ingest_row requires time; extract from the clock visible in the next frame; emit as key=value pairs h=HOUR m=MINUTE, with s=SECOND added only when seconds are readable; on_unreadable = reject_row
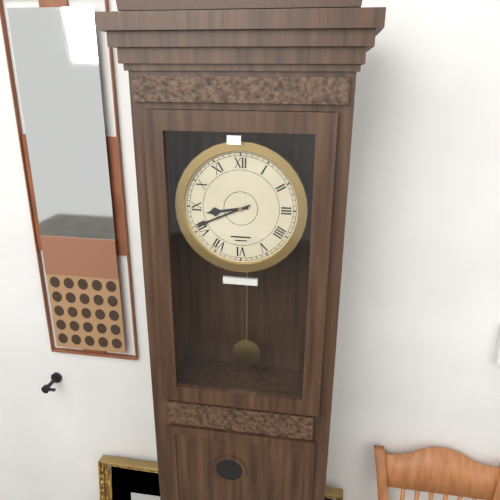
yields h=8 m=41
